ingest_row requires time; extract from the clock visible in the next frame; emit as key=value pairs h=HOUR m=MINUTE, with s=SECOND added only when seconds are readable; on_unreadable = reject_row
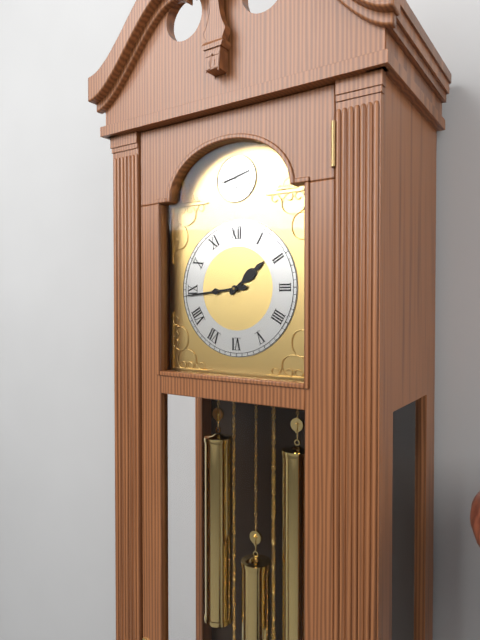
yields h=1 m=44
